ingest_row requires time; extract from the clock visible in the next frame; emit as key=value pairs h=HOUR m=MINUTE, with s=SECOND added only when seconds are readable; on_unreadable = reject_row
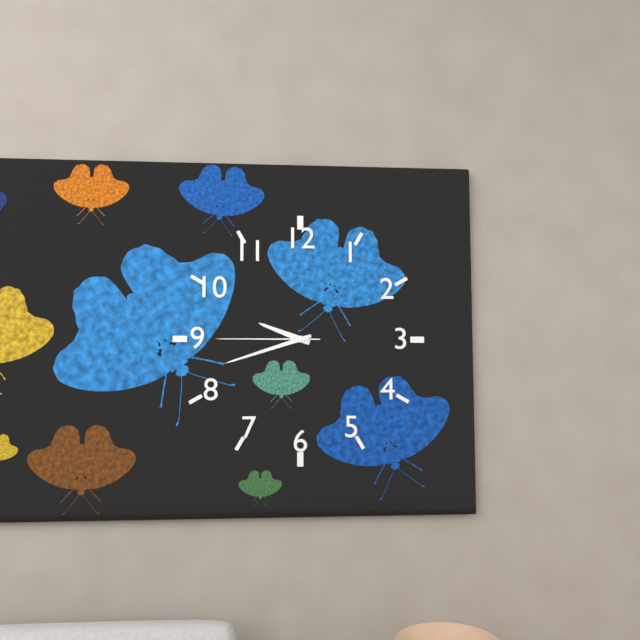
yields h=9 m=42 s=45
